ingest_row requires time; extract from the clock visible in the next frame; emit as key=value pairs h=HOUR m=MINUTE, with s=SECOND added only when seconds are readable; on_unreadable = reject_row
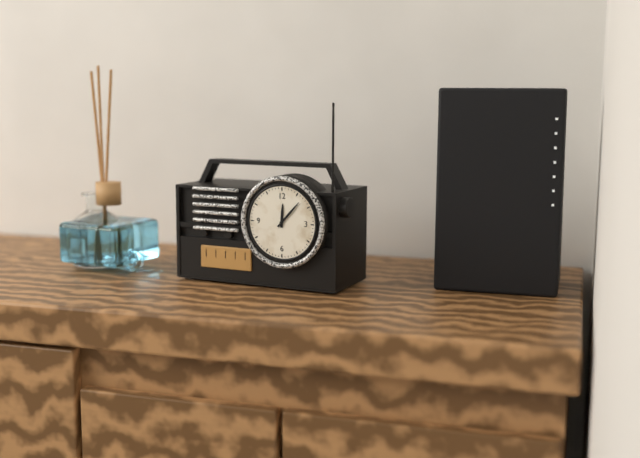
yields h=12 m=7
